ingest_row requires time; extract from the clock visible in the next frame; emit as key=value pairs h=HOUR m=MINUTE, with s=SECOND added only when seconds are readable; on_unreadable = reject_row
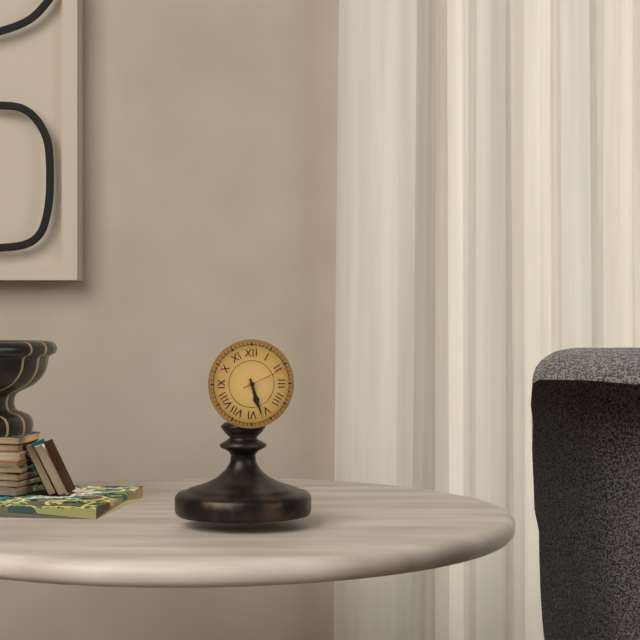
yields h=5 m=27
